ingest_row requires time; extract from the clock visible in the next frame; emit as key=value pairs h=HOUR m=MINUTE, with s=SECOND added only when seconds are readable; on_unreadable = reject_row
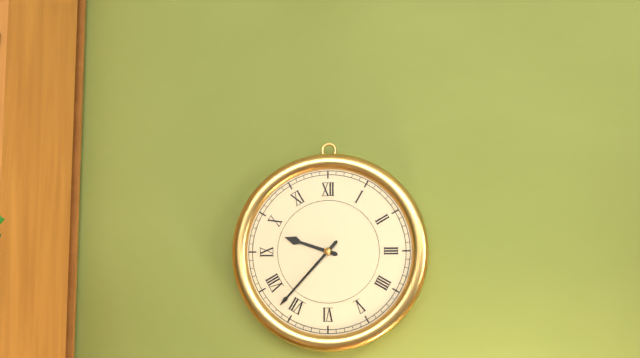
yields h=9 m=37
